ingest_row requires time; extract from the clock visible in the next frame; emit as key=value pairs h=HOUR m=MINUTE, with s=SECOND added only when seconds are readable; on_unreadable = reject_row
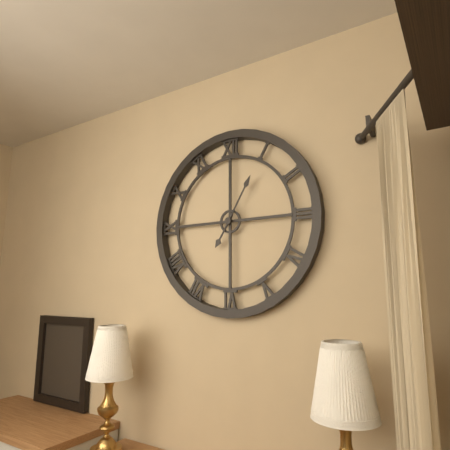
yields h=7 m=5
